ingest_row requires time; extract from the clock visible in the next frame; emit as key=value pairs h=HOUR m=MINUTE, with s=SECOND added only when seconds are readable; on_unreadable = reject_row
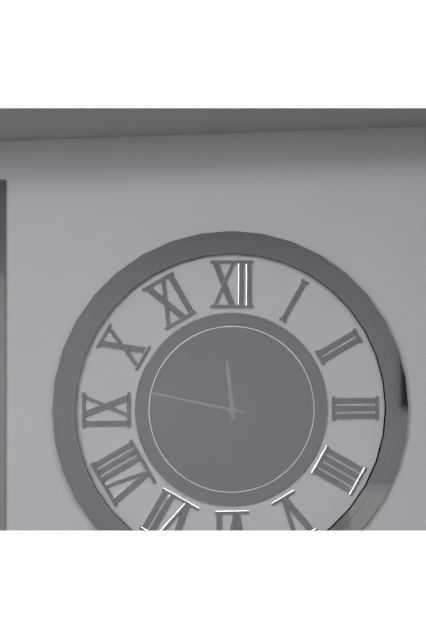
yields h=11 m=47
